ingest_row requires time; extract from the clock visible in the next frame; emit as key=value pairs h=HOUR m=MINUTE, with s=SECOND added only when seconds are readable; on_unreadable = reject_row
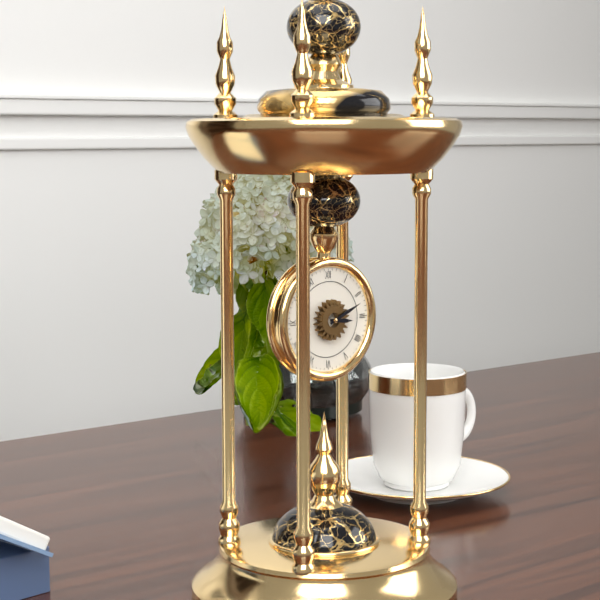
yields h=3 m=11
